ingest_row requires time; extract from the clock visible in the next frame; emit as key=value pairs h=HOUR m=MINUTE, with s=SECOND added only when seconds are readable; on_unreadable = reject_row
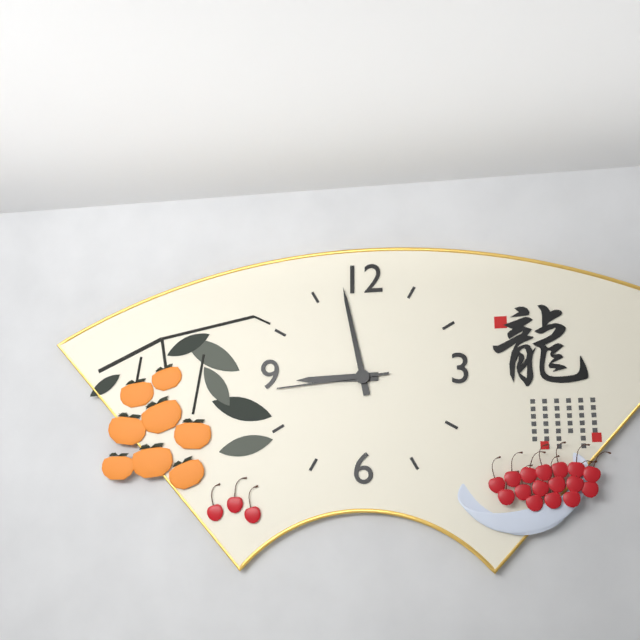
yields h=8 m=58 s=44
